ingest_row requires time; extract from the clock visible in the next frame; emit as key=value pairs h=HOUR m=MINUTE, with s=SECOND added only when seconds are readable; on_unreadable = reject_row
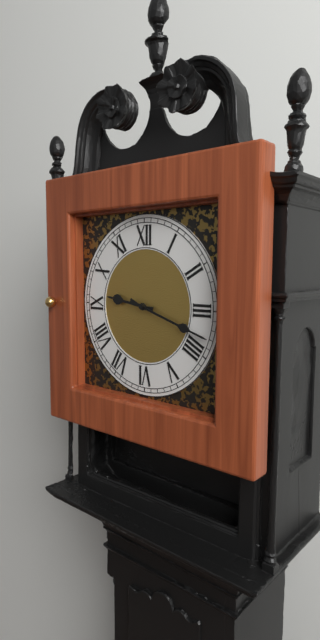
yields h=9 m=18
